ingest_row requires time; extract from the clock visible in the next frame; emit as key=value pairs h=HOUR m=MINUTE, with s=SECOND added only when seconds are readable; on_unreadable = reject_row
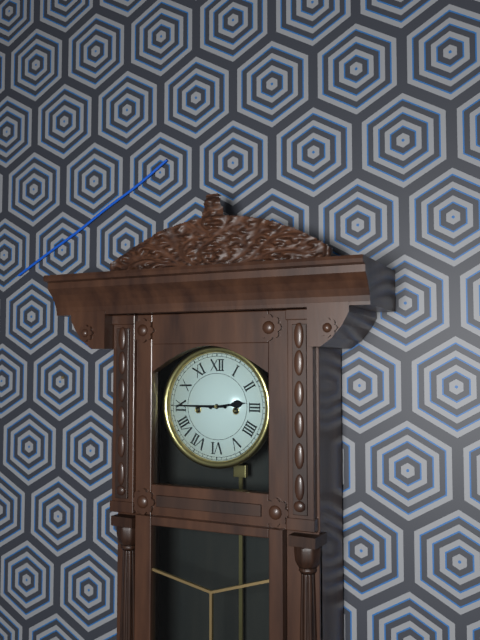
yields h=2 m=45
